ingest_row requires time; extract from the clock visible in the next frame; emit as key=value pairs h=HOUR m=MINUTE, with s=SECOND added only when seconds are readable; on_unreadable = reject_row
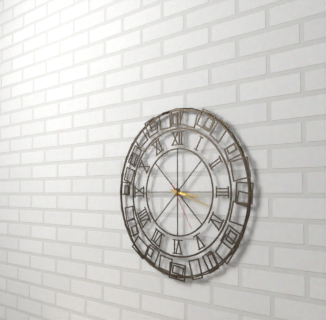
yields h=3 m=18 s=25
